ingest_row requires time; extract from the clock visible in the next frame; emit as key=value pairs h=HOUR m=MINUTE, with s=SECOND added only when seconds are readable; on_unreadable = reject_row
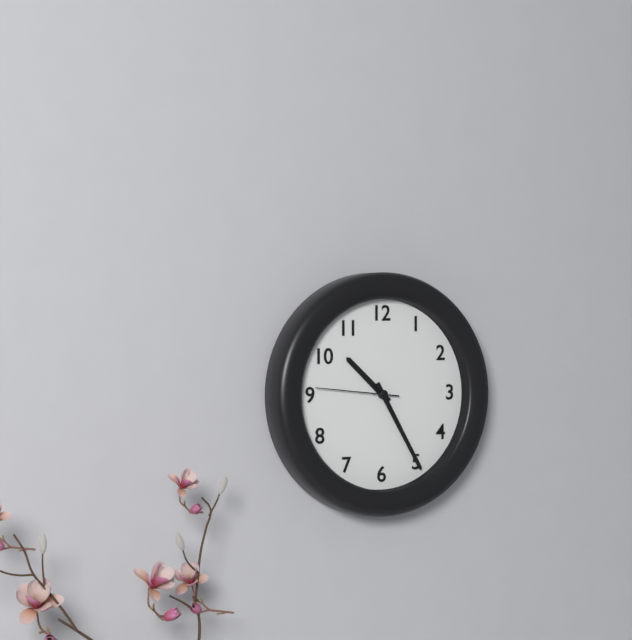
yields h=10 m=25 s=46
